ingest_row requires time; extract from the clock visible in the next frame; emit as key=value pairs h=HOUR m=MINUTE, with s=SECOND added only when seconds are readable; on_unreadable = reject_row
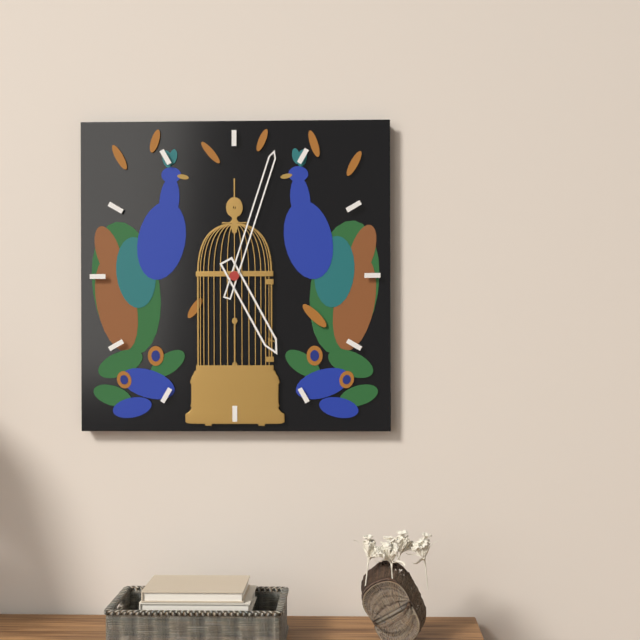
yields h=5 m=3
